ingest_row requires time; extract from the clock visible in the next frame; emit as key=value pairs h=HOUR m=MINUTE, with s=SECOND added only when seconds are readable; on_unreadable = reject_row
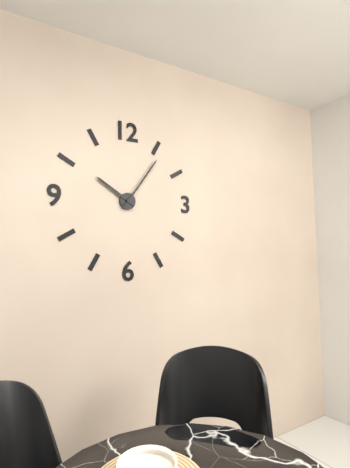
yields h=10 m=6
